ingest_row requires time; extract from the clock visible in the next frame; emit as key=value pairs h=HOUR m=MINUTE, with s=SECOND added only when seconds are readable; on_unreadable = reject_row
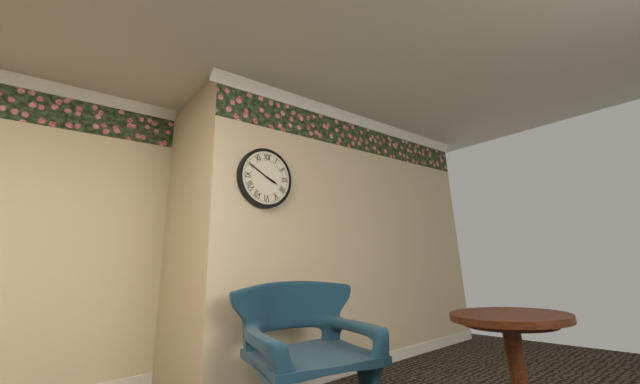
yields h=3 m=50
